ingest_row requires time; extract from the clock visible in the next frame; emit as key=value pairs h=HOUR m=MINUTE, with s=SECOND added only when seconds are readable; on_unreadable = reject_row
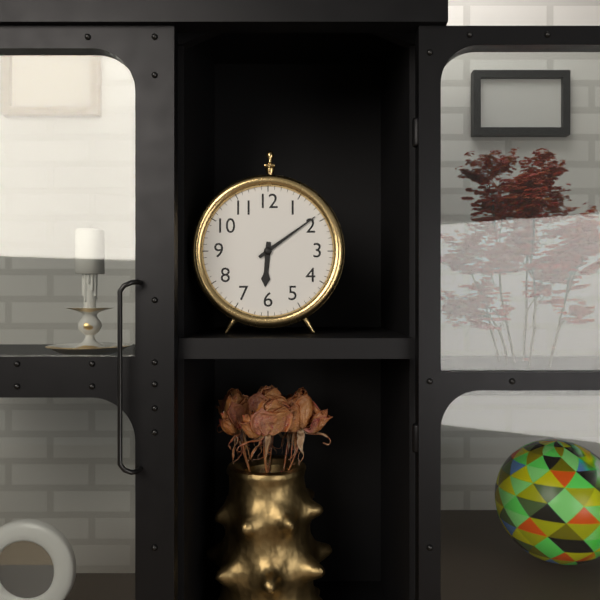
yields h=6 m=9
